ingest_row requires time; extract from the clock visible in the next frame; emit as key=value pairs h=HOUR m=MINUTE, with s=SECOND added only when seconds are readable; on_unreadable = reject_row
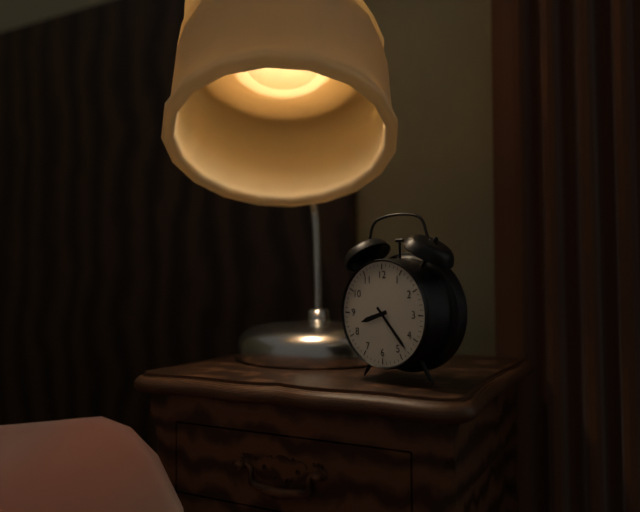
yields h=8 m=23
